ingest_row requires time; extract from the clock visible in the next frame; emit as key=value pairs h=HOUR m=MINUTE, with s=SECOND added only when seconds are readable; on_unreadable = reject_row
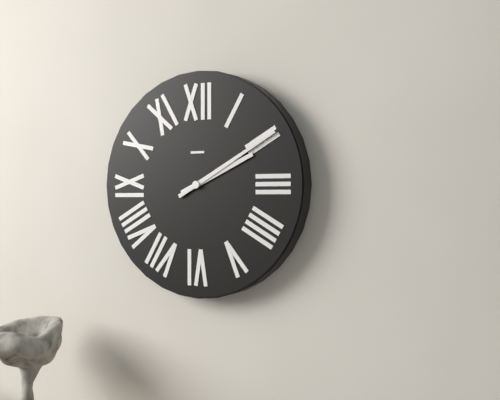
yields h=2 m=10
